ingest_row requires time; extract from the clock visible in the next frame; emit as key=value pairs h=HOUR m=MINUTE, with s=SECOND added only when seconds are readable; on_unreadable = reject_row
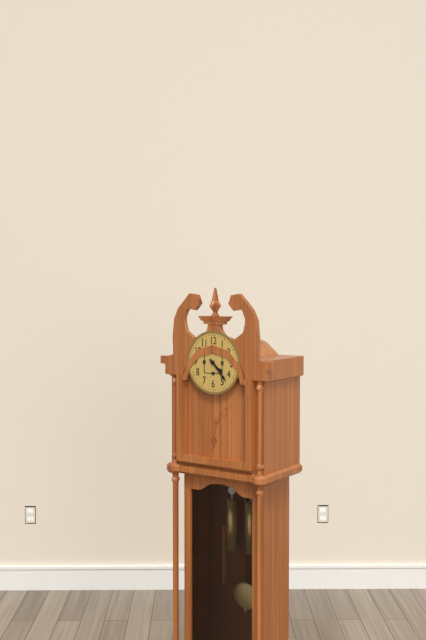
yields h=4 m=23
